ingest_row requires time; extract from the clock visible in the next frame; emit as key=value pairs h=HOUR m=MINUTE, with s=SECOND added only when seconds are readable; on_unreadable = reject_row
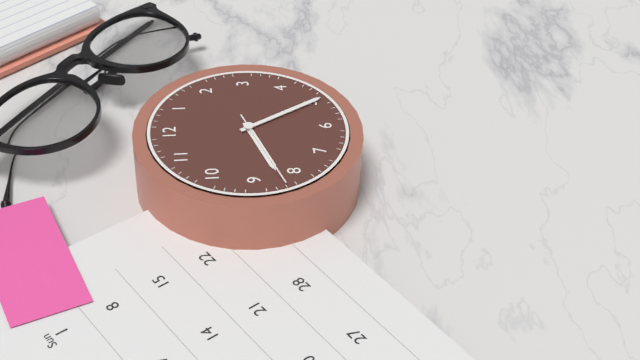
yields h=8 m=25 s=42
